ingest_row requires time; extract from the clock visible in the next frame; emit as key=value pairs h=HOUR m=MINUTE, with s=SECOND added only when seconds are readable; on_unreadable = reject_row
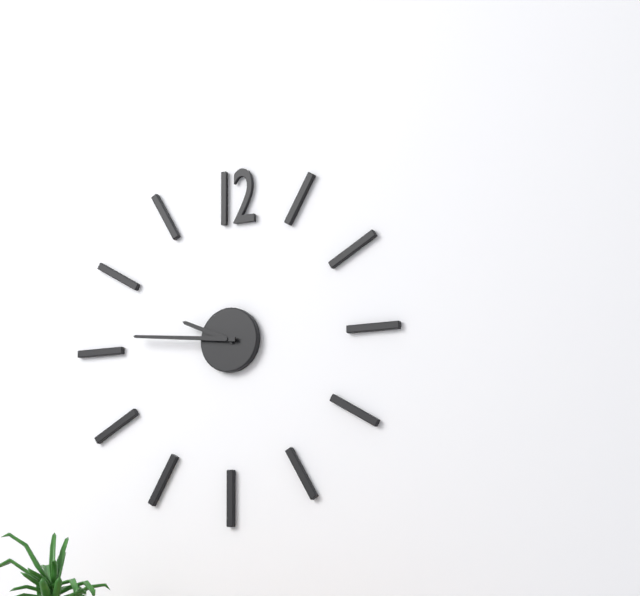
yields h=9 m=46
